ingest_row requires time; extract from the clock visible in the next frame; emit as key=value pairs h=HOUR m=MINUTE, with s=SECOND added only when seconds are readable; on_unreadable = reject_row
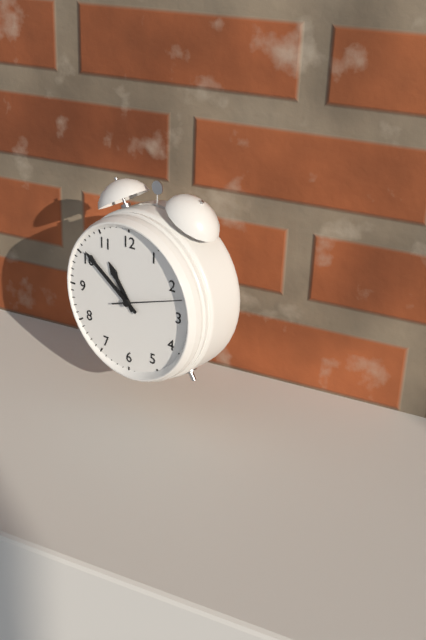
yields h=10 m=51 s=12
